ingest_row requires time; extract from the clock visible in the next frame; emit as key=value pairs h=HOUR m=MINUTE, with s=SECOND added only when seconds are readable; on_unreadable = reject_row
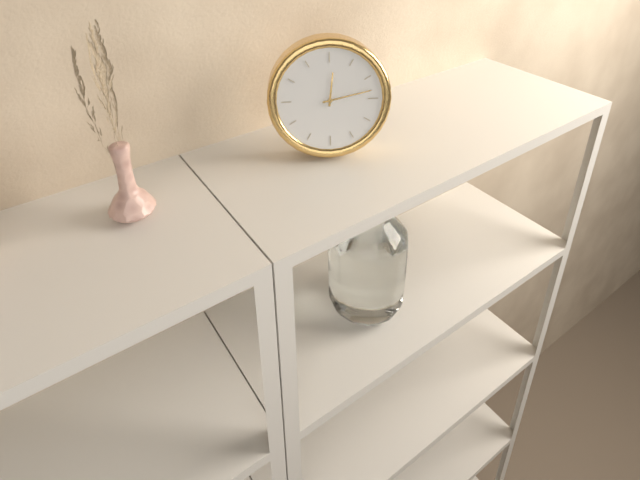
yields h=12 m=13
